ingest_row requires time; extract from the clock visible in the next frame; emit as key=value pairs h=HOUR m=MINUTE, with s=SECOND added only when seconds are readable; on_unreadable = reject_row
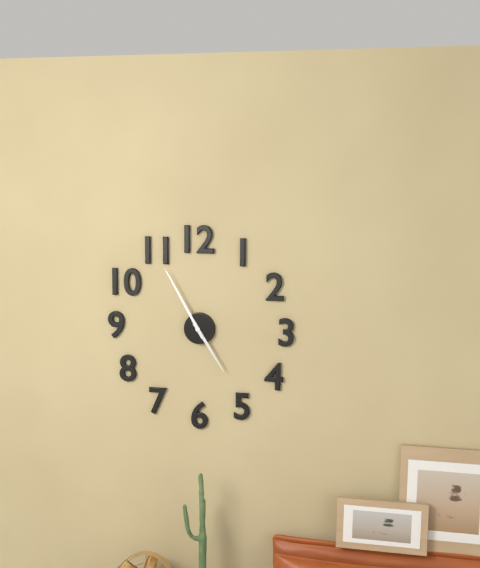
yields h=4 m=55
